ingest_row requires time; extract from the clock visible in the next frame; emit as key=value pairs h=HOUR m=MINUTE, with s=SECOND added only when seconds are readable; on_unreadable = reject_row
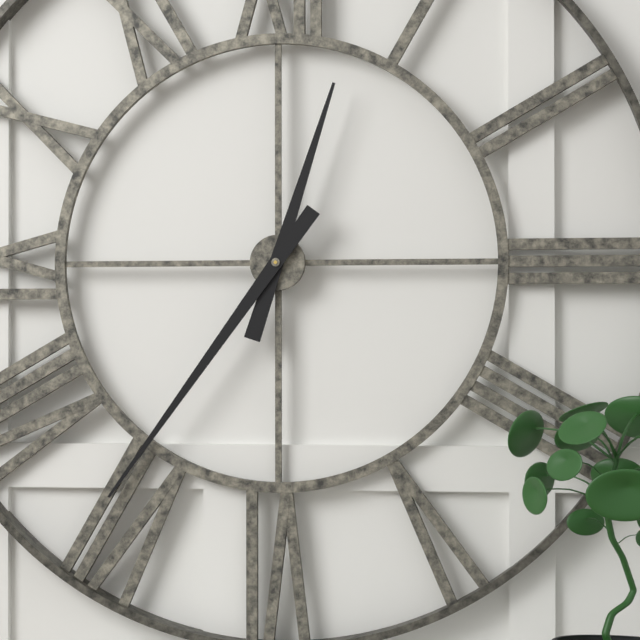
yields h=12 m=36
